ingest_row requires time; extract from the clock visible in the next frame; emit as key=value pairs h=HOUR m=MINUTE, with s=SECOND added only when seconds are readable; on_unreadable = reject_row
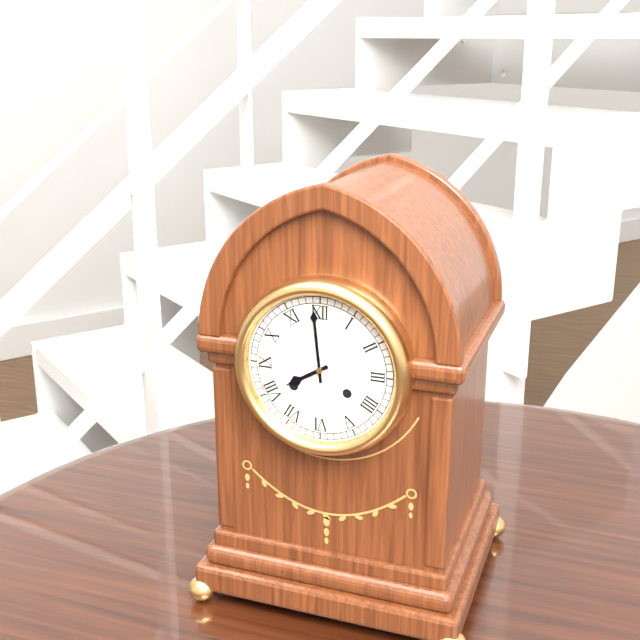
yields h=7 m=59
